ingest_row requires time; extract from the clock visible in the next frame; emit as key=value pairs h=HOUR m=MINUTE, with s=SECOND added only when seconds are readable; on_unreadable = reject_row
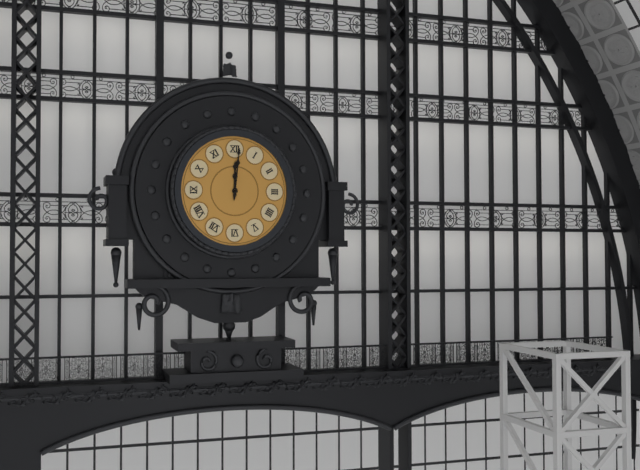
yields h=12 m=1
